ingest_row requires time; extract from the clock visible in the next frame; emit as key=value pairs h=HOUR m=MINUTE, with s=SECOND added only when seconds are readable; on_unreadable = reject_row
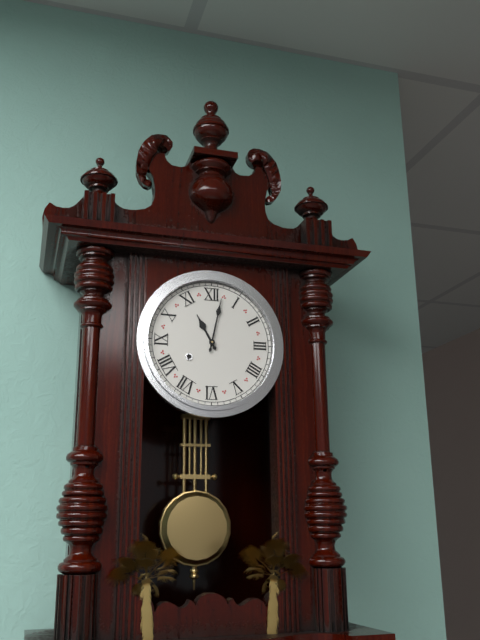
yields h=11 m=2
